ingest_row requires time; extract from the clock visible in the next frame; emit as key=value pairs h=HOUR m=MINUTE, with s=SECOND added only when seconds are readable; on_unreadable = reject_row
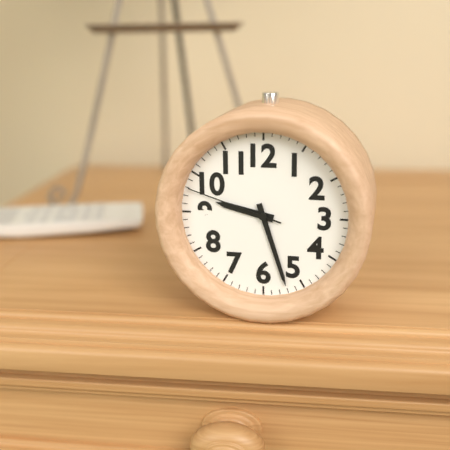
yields h=9 m=27 s=48
